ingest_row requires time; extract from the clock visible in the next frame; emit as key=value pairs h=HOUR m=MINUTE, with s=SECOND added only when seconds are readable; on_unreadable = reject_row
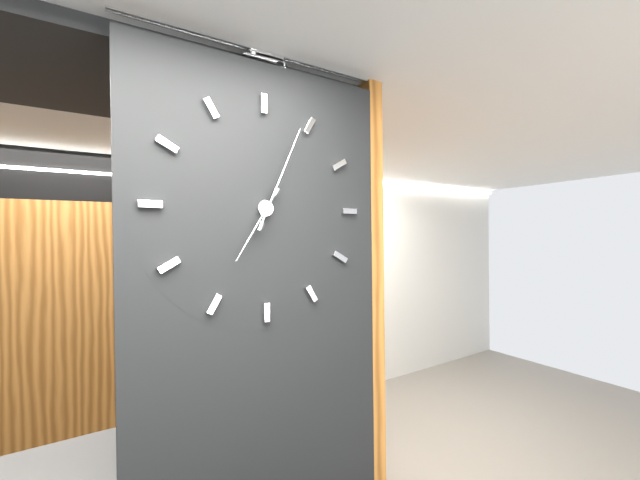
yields h=7 m=4
